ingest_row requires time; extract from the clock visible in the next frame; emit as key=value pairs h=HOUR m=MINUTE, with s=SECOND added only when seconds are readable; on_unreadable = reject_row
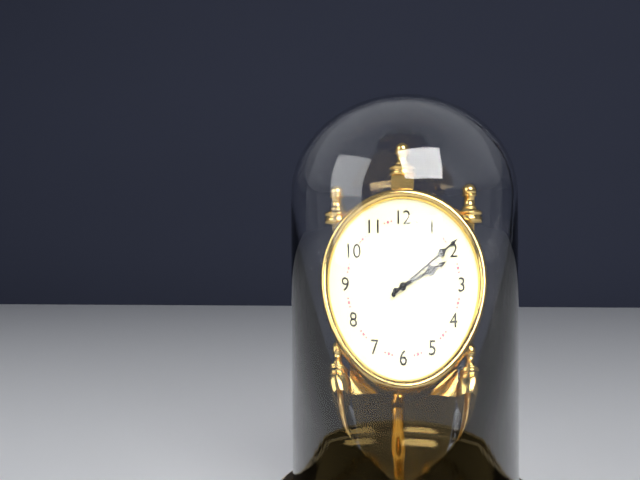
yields h=2 m=9
